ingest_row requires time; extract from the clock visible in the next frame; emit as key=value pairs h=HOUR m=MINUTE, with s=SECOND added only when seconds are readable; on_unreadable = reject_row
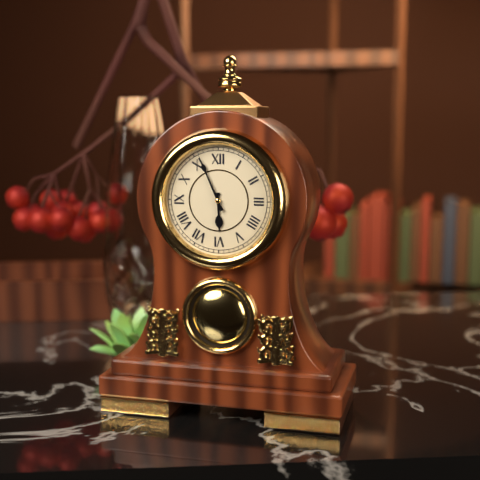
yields h=5 m=56
